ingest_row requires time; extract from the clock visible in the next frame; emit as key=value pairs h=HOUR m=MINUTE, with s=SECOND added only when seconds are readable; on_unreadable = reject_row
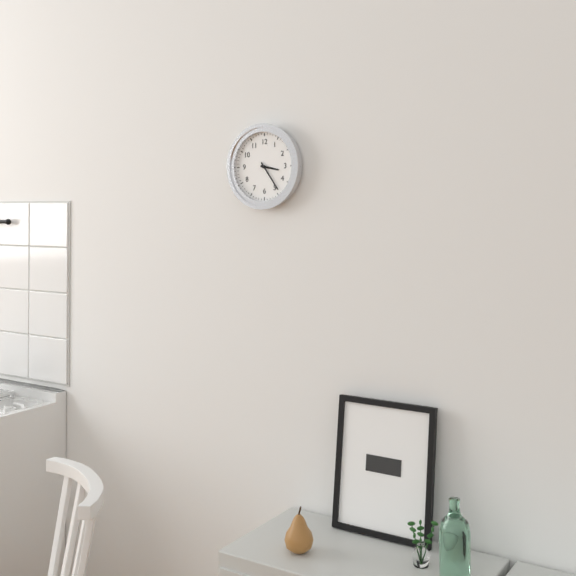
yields h=3 m=24
